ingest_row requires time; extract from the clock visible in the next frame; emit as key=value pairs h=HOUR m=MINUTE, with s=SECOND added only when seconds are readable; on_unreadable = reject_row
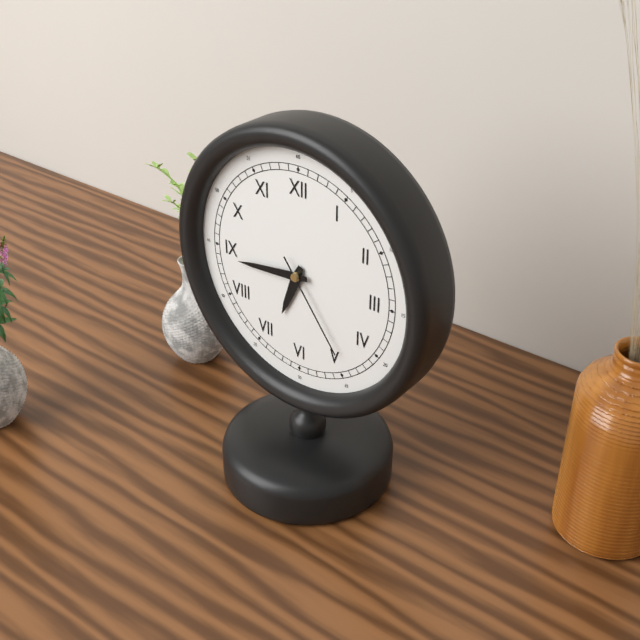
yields h=6 m=44 s=24
